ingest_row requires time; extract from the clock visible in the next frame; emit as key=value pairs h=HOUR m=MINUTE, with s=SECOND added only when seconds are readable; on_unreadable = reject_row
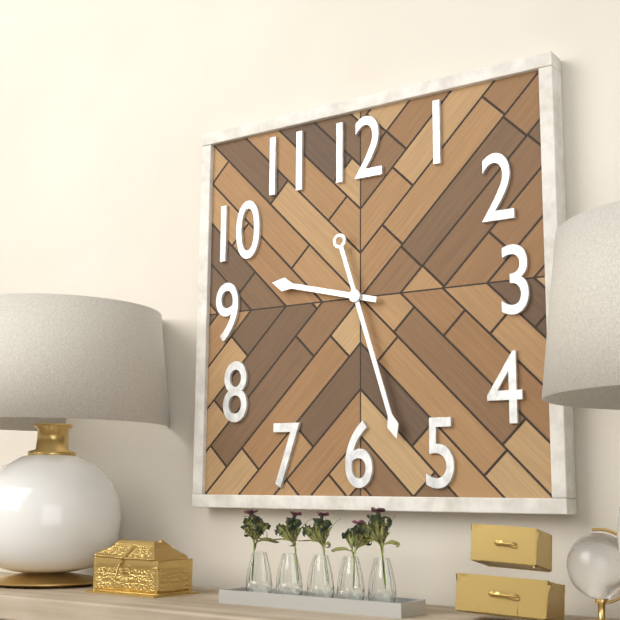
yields h=9 m=27
